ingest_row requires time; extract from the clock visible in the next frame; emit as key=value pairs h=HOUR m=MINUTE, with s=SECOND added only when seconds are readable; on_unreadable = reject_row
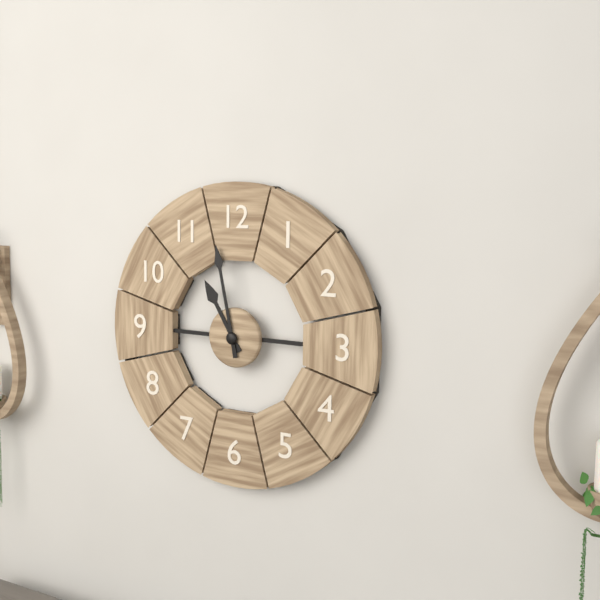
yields h=10 m=58
